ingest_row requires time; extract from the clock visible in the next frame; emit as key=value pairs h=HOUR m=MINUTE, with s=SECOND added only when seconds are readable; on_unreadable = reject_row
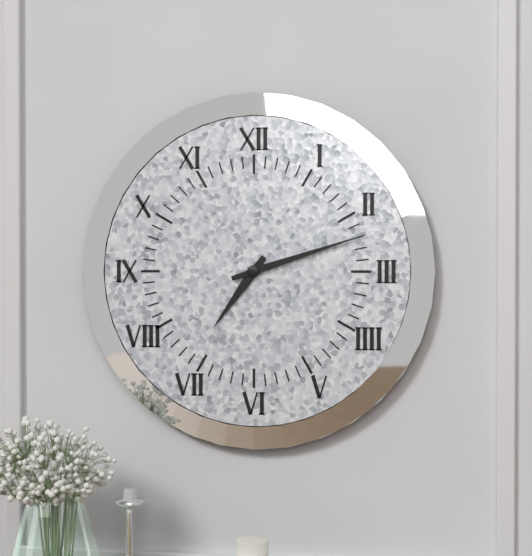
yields h=7 m=12
